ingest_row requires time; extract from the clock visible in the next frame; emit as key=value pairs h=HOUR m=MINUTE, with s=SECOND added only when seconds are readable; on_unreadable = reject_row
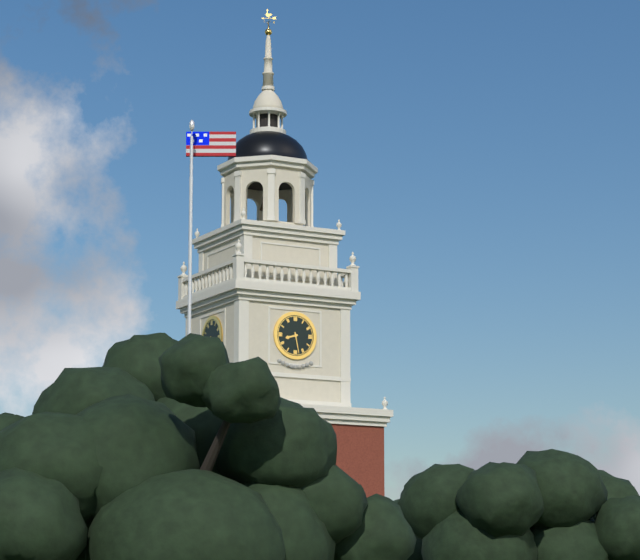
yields h=8 m=28
